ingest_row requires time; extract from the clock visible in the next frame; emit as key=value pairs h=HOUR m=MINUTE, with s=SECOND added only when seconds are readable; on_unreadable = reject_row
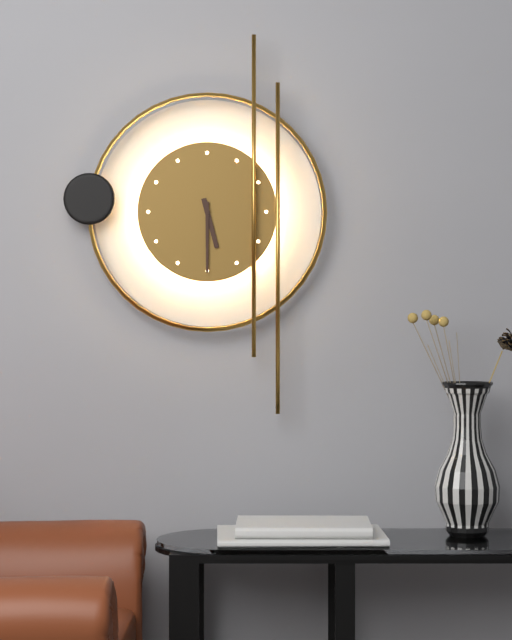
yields h=5 m=30
